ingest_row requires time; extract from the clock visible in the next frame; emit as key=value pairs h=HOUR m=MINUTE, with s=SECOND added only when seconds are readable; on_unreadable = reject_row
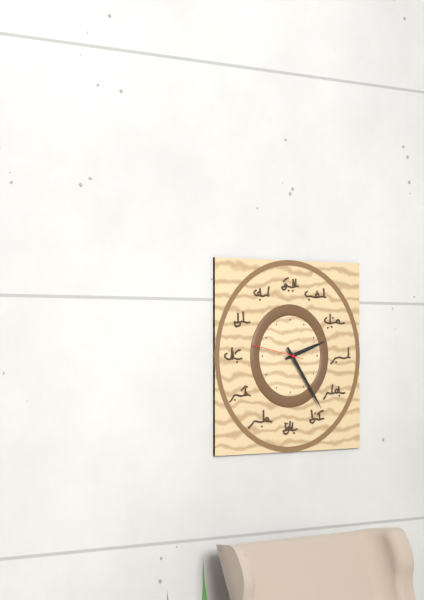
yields h=2 m=24
